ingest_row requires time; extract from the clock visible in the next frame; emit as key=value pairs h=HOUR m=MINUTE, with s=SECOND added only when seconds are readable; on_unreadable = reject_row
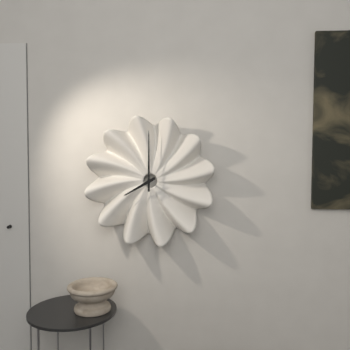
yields h=8 m=0
